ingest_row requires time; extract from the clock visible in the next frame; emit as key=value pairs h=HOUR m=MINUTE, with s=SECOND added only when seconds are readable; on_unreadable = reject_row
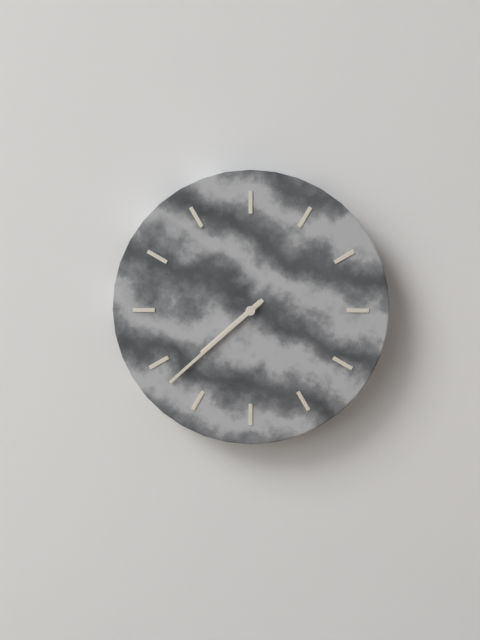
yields h=7 m=38
